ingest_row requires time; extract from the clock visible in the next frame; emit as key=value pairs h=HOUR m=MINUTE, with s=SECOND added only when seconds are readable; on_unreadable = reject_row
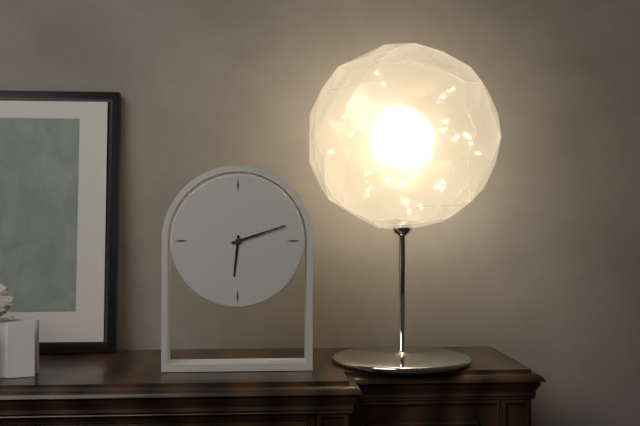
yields h=6 m=12
